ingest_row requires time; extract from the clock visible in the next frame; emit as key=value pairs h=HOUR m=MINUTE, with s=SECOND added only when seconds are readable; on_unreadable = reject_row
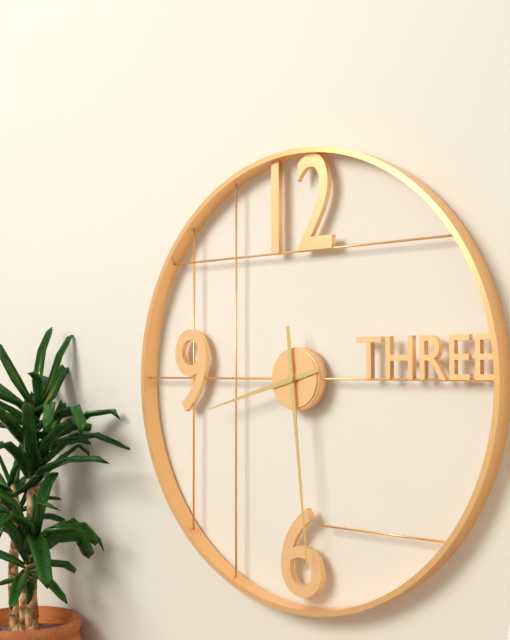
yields h=8 m=29
